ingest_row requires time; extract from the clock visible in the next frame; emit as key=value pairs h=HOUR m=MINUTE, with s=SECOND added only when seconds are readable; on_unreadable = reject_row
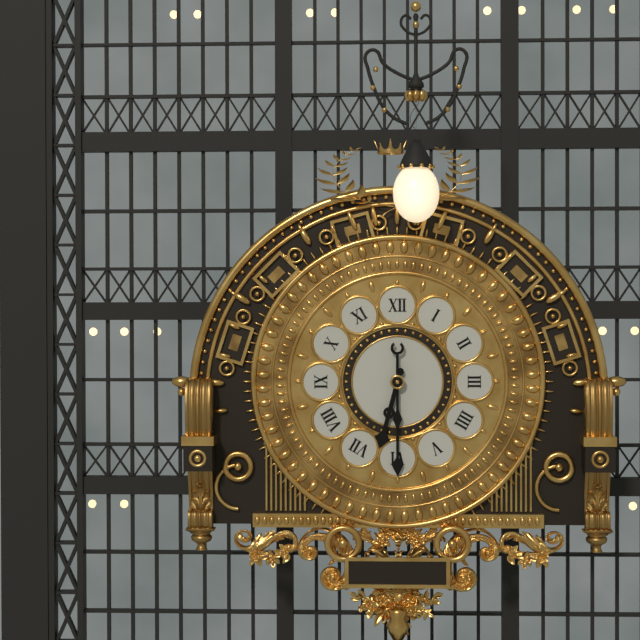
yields h=6 m=30
